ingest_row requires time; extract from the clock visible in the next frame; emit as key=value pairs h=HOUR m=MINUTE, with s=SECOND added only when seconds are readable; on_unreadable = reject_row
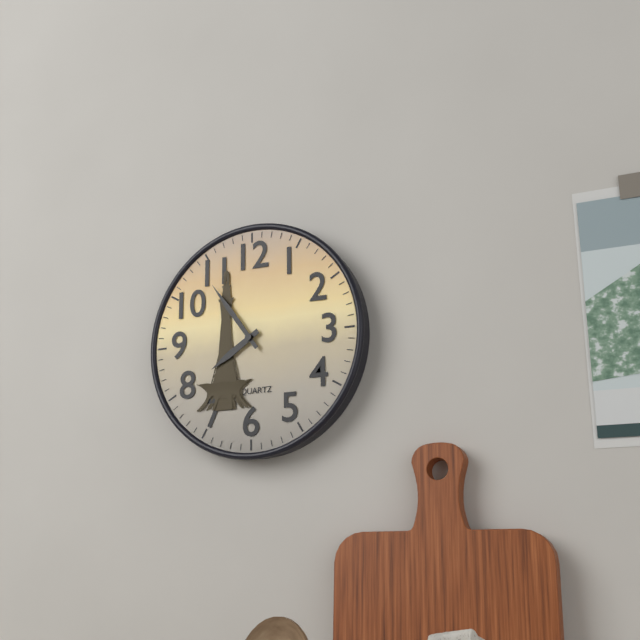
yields h=7 m=54
